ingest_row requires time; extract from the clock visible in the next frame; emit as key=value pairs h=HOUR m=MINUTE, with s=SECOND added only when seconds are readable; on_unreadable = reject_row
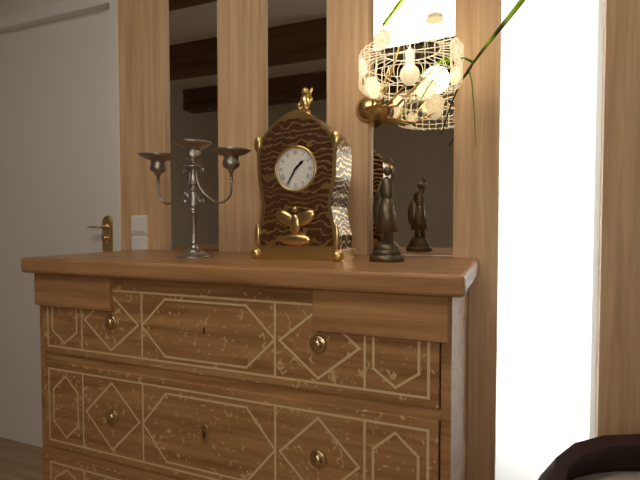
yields h=1 m=35
